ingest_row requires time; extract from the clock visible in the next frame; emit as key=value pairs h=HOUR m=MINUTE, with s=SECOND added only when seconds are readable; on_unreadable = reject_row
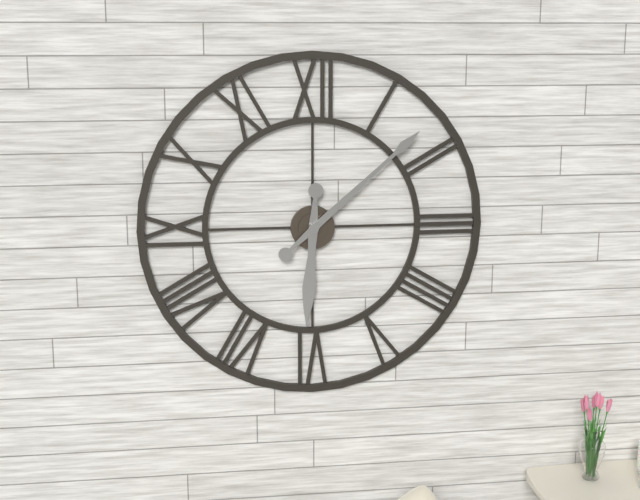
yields h=6 m=8
